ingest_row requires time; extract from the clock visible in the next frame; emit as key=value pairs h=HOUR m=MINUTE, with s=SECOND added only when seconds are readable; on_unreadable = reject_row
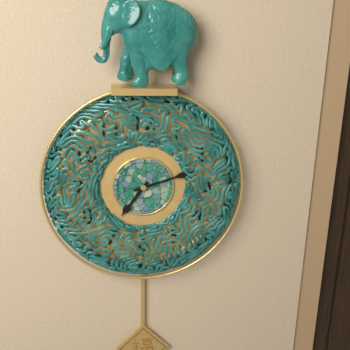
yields h=7 m=12
